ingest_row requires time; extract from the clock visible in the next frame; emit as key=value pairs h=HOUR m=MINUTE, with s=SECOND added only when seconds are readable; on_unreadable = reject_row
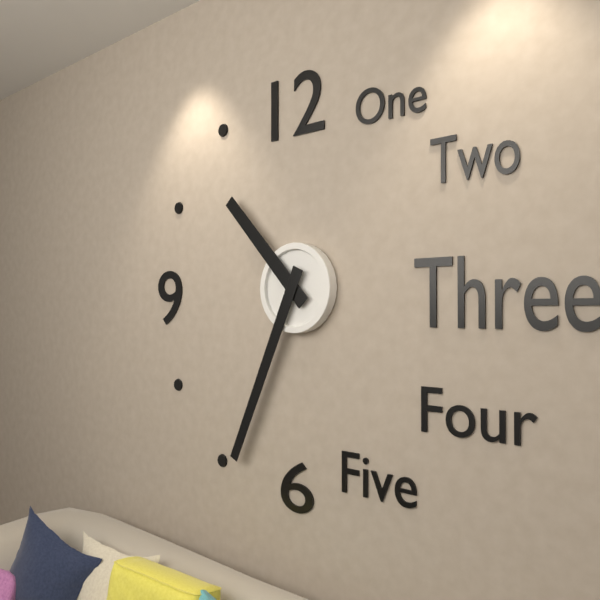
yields h=10 m=34
